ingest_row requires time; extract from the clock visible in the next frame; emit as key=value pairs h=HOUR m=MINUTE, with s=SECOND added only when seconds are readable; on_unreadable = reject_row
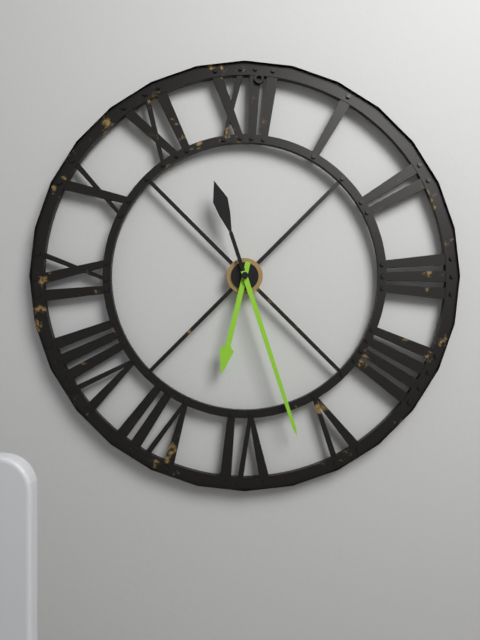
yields h=6 m=27
